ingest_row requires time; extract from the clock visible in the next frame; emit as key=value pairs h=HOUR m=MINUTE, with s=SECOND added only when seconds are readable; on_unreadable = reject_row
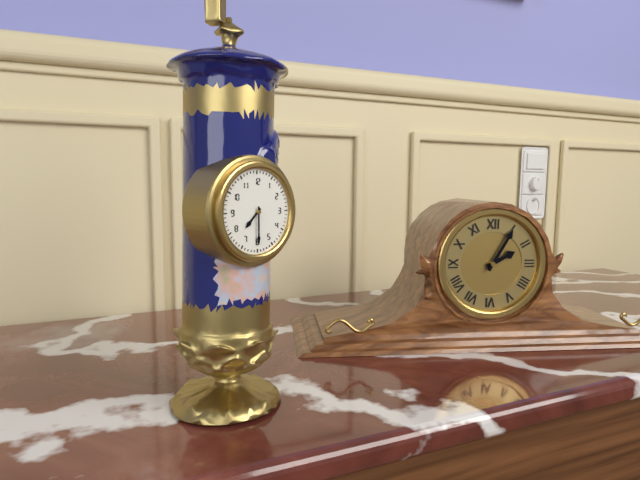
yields h=7 m=30
